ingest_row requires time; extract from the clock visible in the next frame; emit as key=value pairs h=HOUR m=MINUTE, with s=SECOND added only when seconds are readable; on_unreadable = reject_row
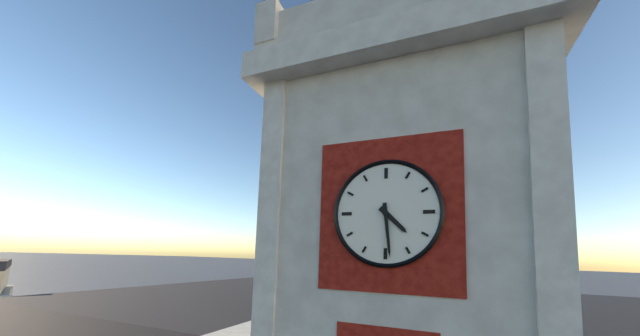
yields h=4 m=29
